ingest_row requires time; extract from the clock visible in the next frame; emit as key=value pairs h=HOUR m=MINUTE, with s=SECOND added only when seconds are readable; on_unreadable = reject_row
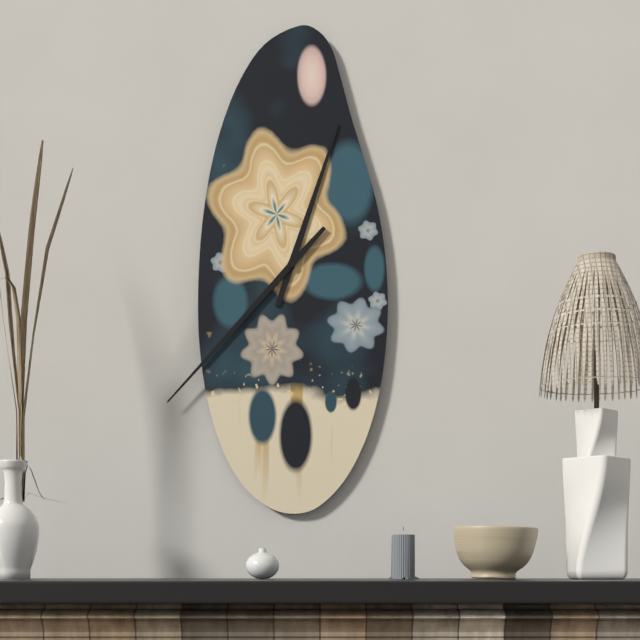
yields h=12 m=37
